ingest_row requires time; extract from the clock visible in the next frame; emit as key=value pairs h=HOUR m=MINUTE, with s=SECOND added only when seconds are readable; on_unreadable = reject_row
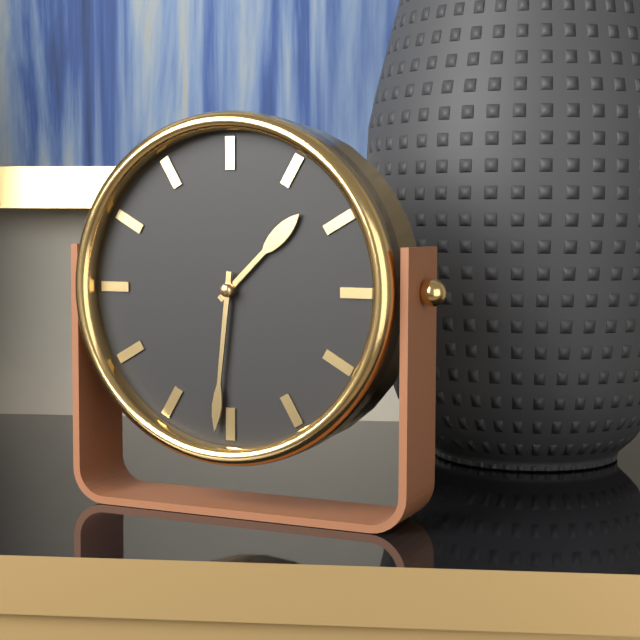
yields h=1 m=31
